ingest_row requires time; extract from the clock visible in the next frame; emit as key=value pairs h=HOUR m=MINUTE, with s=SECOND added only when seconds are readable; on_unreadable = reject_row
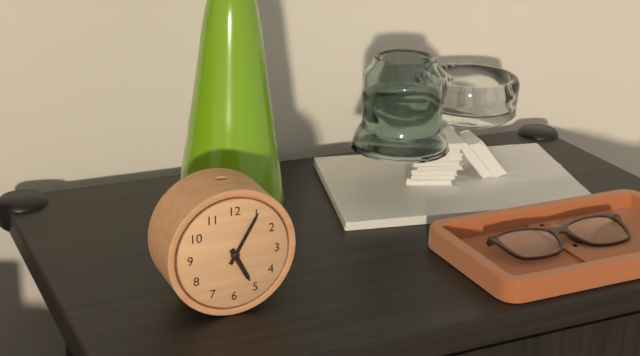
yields h=5 m=5
